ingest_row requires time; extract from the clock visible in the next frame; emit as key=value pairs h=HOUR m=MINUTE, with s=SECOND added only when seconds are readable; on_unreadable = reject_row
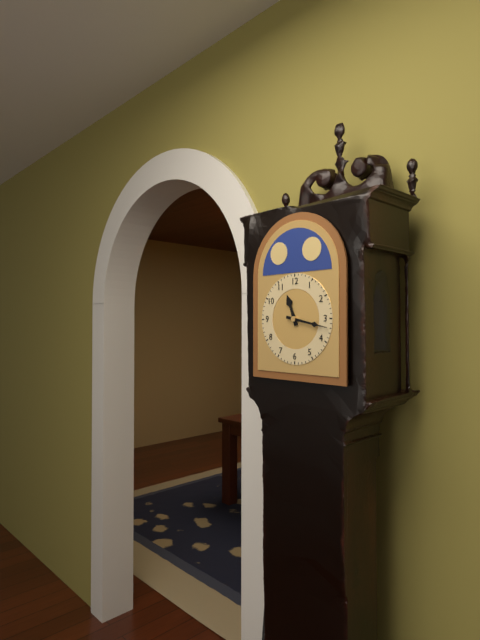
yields h=11 m=17
